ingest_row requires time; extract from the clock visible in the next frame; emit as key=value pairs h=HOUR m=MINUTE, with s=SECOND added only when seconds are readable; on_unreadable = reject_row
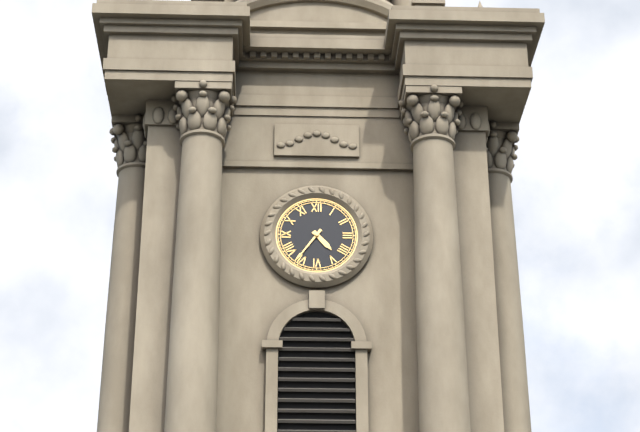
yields h=4 m=36
